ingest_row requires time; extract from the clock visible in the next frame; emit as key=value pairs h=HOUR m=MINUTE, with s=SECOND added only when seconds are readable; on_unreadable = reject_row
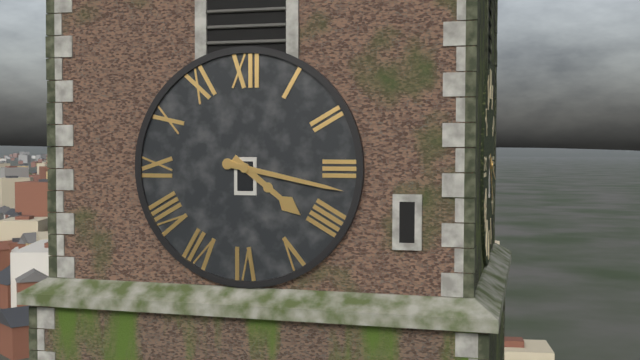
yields h=4 m=17
